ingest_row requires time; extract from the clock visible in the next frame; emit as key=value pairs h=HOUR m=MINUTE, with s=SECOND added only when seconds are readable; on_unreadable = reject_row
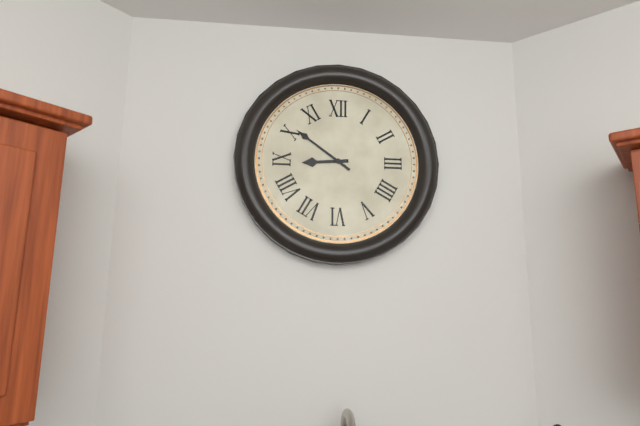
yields h=8 m=51
